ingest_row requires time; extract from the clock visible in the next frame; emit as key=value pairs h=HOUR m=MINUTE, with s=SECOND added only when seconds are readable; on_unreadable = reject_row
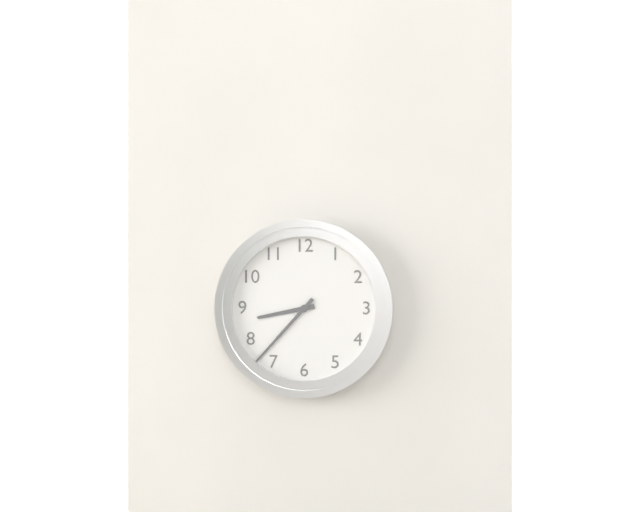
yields h=8 m=37
